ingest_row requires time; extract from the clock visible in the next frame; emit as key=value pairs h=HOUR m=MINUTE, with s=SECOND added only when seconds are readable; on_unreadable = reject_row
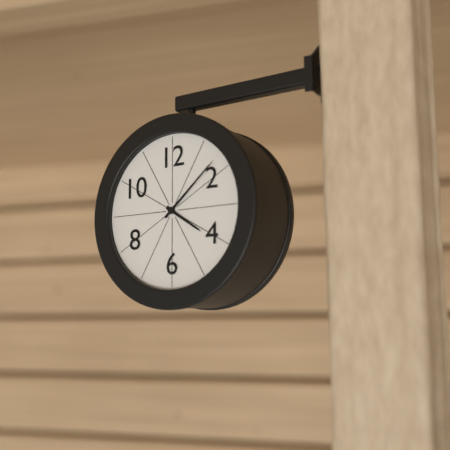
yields h=4 m=8
